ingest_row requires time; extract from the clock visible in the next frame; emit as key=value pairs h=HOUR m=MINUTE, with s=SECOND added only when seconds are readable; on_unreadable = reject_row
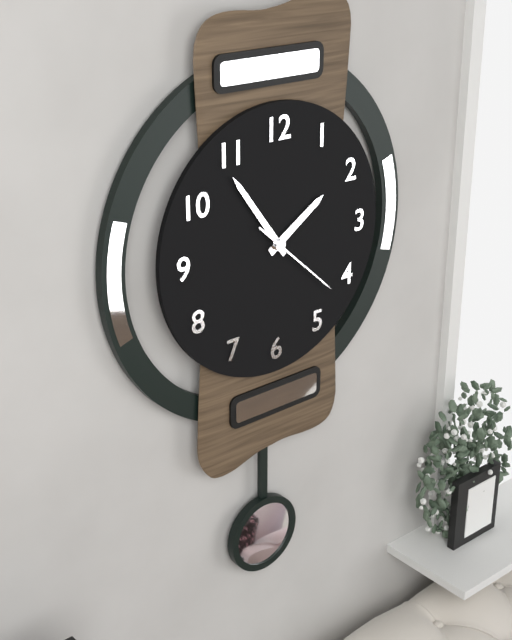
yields h=1 m=54 s=22
